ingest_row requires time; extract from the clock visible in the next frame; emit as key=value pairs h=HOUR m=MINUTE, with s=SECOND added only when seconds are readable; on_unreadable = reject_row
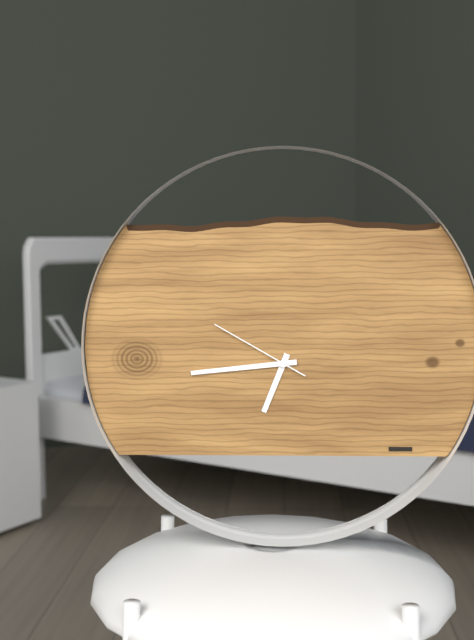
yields h=6 m=44 s=50
